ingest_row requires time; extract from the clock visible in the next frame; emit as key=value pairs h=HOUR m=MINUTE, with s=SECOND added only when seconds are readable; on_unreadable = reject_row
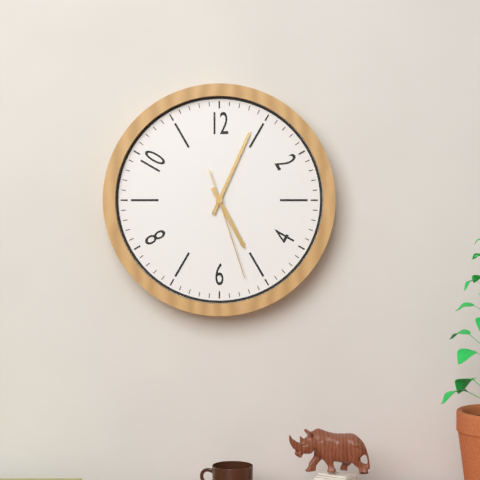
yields h=5 m=4 s=27
